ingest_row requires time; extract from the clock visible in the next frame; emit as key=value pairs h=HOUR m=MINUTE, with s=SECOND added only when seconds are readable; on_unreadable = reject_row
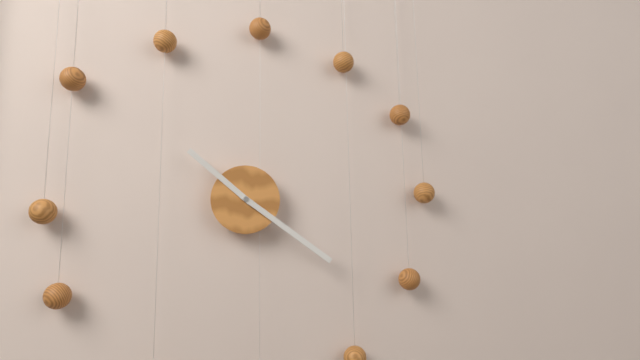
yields h=10 m=21
